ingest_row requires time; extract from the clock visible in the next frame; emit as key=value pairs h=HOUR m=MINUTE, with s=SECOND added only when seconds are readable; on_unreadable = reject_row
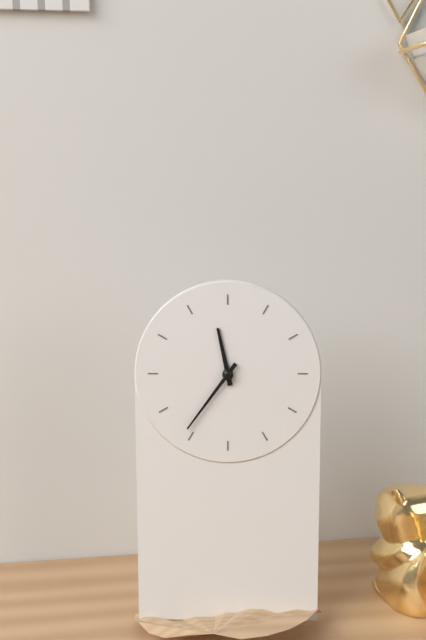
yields h=11 m=36
